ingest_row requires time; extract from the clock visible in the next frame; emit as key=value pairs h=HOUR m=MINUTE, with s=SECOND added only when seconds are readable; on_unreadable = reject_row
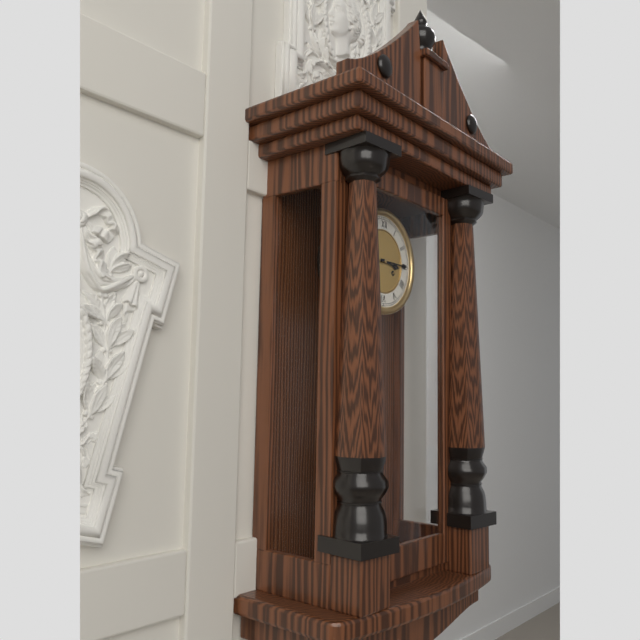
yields h=3 m=15
